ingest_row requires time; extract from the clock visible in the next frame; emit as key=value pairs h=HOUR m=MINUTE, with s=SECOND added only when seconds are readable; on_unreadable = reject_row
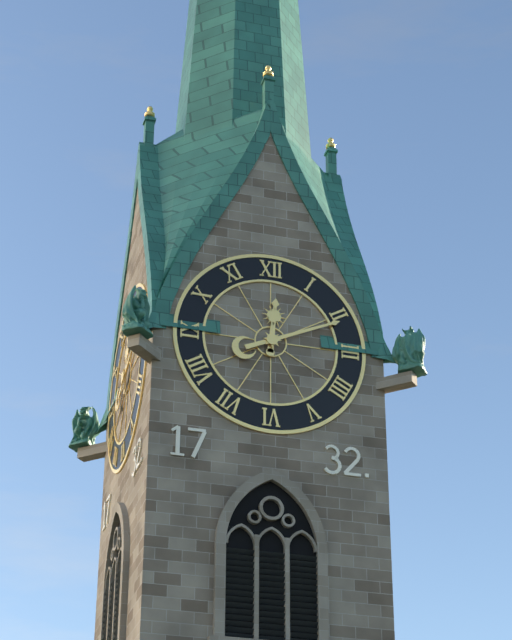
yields h=12 m=11
